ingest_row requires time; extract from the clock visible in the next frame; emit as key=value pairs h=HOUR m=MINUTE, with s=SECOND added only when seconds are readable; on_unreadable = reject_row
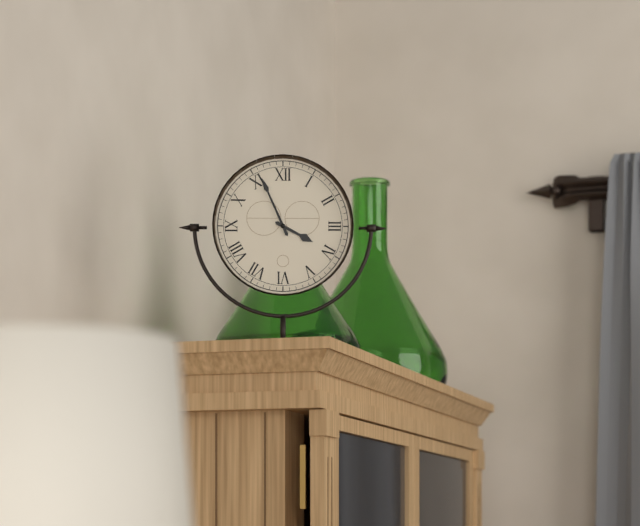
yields h=3 m=56
